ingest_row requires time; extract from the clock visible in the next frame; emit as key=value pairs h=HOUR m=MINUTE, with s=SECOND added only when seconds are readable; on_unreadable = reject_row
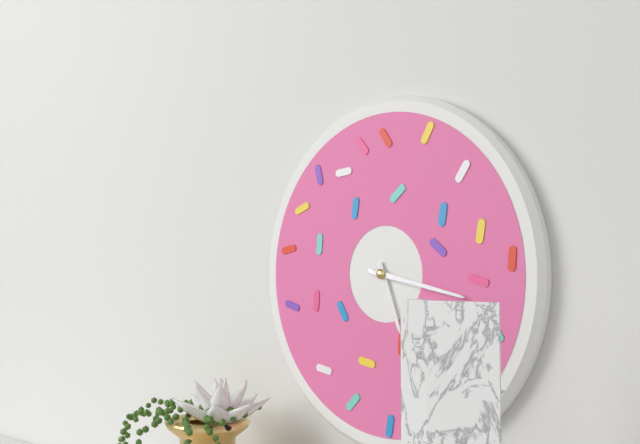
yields h=5 m=17
